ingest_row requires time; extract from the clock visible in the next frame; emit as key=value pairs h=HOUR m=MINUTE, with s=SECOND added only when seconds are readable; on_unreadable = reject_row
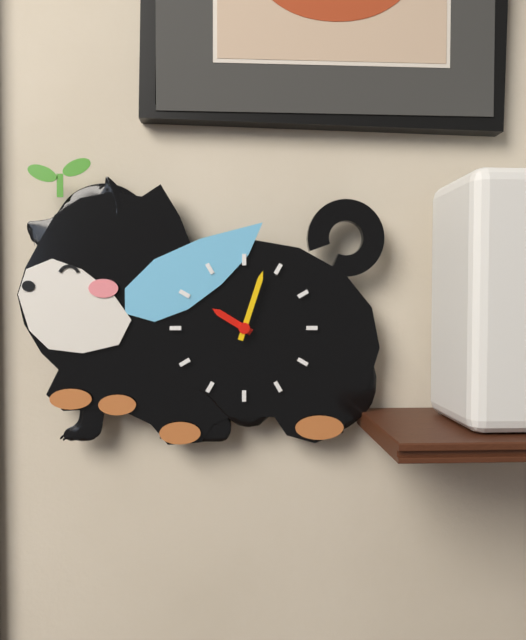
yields h=10 m=3
